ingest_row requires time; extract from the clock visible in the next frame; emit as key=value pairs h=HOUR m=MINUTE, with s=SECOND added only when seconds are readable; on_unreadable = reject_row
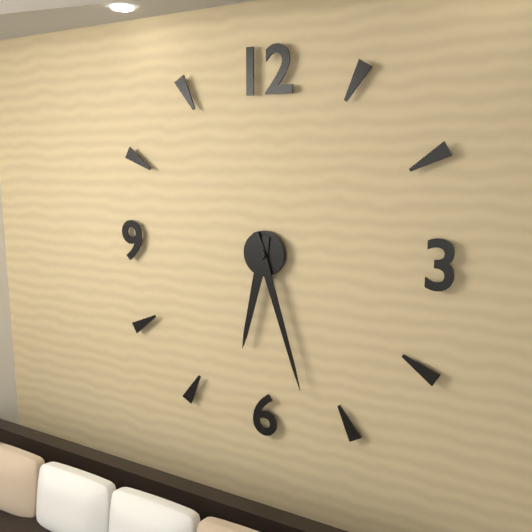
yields h=6 m=27
